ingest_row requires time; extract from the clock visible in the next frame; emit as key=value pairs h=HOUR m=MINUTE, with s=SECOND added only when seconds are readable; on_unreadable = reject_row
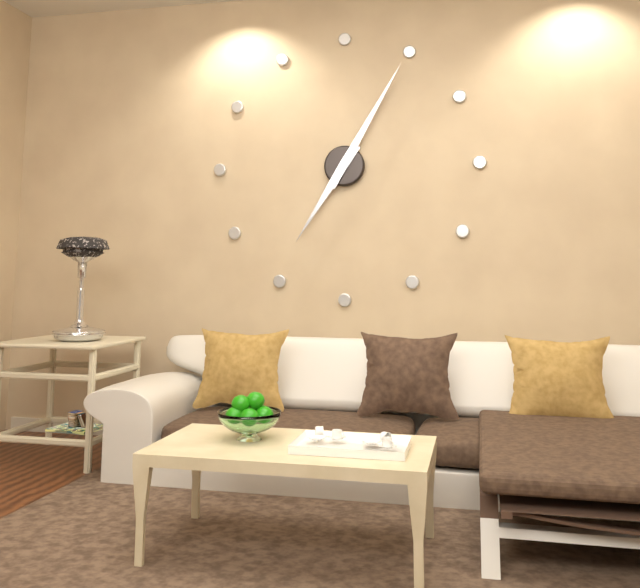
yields h=7 m=5
